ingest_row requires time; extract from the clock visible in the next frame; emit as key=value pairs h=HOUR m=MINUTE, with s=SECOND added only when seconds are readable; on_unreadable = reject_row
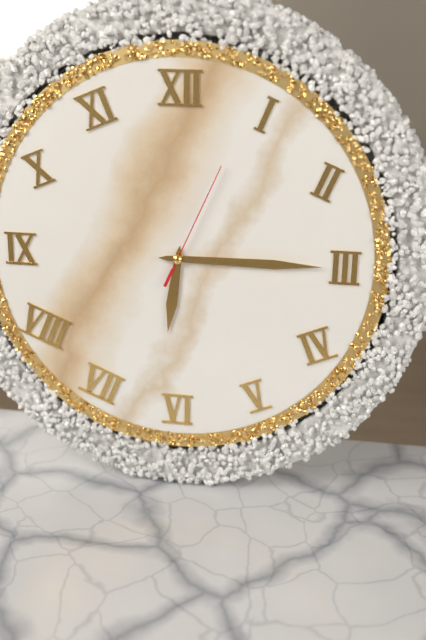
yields h=6 m=15 s=4
